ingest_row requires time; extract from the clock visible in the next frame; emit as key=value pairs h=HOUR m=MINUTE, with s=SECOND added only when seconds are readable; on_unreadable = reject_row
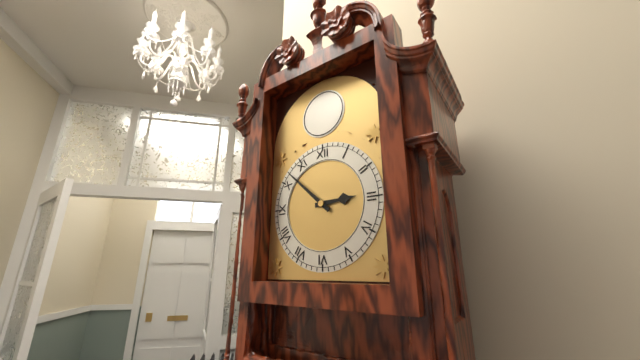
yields h=2 m=52
